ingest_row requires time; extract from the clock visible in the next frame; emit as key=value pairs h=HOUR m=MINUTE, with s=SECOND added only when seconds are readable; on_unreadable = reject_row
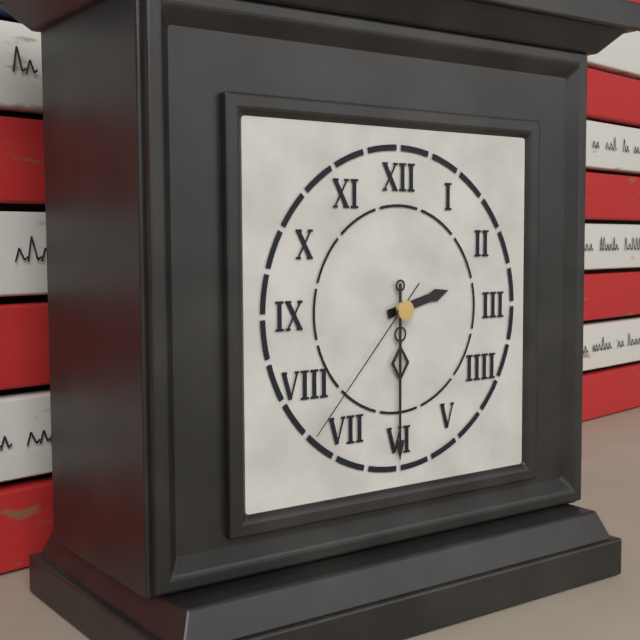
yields h=2 m=30 s=37
